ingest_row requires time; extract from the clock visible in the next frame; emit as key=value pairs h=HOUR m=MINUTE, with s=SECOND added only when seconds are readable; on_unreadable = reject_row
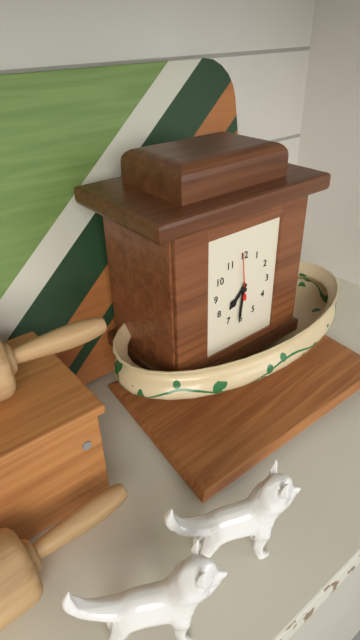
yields h=7 m=31 s=59
